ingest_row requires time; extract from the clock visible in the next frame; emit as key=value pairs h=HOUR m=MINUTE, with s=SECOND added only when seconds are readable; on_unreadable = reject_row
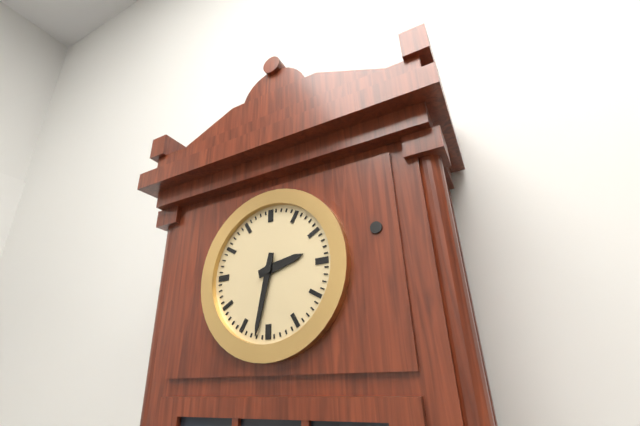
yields h=2 m=32
